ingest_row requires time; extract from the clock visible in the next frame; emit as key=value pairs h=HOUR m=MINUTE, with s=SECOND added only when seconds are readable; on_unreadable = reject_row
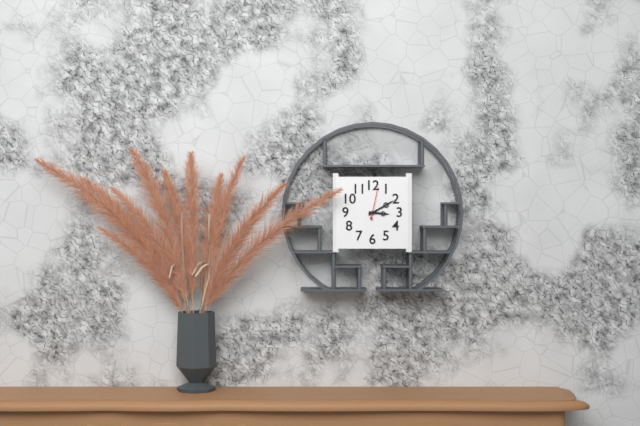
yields h=3 m=10
